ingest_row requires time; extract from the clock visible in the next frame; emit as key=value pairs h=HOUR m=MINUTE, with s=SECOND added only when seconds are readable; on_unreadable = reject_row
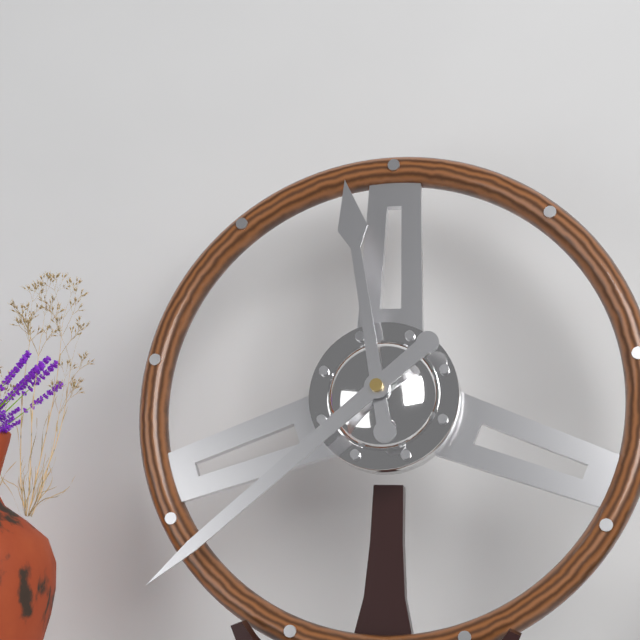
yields h=11 m=38
